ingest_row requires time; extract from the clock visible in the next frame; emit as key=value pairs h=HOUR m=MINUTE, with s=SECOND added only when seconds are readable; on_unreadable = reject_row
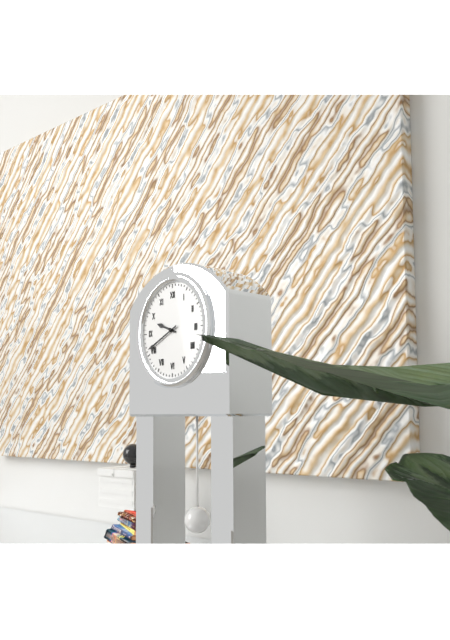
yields h=9 m=41
